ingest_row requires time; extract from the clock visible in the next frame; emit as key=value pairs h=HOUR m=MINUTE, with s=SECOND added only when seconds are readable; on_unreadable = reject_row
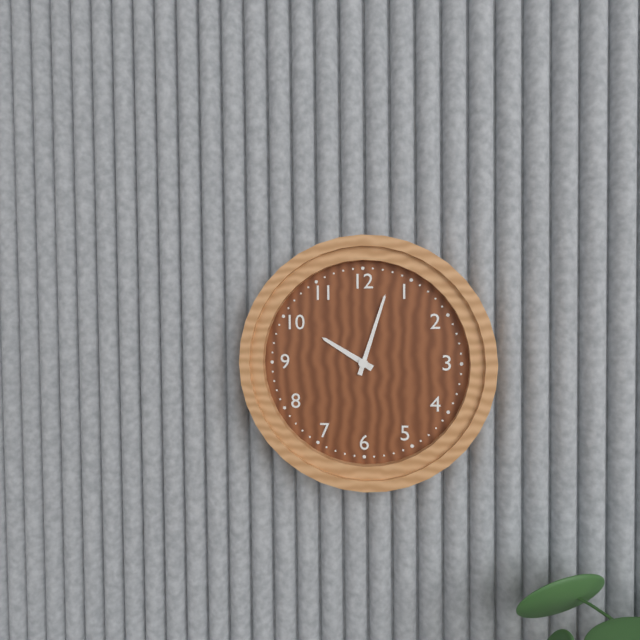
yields h=10 m=3
